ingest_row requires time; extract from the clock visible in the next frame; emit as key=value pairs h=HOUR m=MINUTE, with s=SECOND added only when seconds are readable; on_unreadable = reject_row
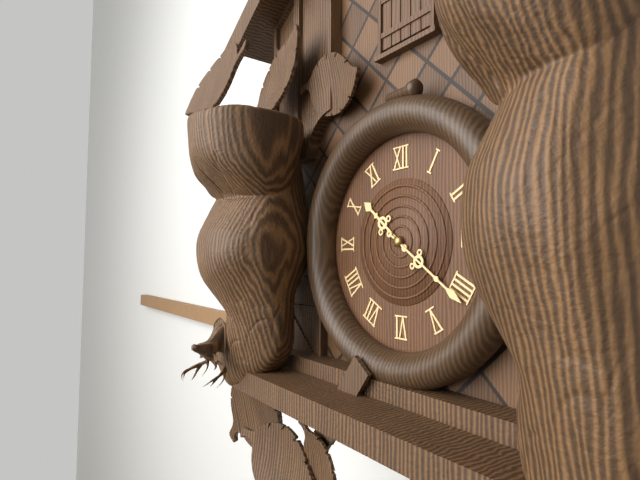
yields h=10 m=21
